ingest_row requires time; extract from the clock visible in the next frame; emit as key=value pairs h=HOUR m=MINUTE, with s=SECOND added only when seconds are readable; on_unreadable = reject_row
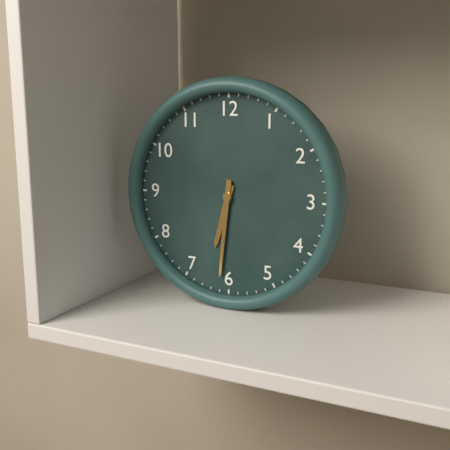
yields h=6 m=31
